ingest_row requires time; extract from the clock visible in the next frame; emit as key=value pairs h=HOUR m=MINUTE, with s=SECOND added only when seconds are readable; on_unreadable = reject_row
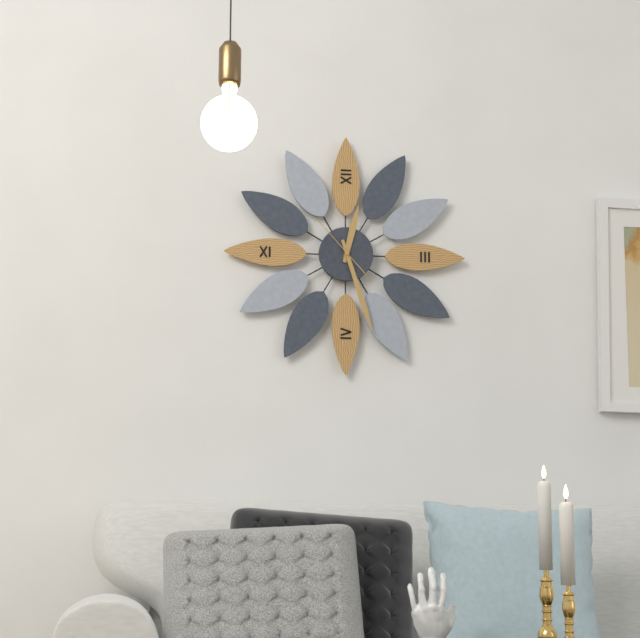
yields h=12 m=27 s=53
